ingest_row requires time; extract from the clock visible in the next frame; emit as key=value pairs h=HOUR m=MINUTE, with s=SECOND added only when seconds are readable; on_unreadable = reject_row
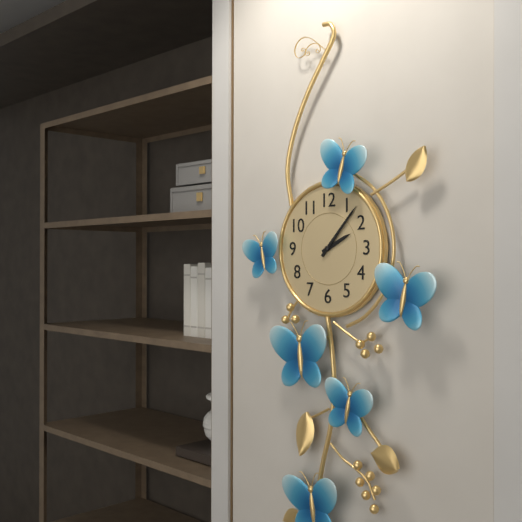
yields h=2 m=7
